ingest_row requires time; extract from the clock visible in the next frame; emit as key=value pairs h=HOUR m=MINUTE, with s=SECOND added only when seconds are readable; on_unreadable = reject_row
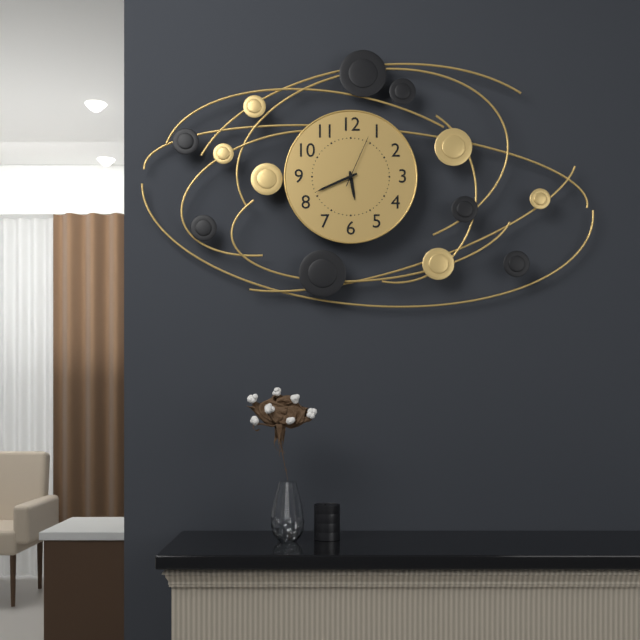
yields h=5 m=41 s=4
